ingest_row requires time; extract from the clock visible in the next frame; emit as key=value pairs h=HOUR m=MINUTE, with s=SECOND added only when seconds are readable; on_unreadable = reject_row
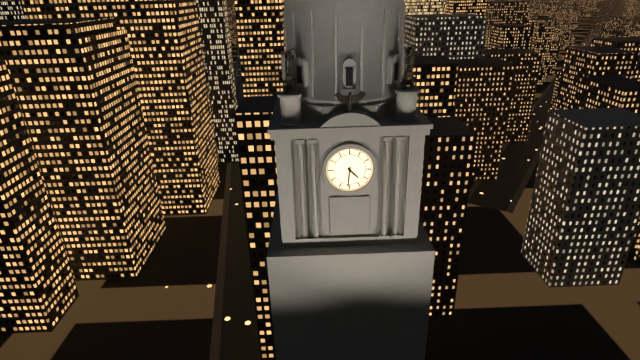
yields h=4 m=31
